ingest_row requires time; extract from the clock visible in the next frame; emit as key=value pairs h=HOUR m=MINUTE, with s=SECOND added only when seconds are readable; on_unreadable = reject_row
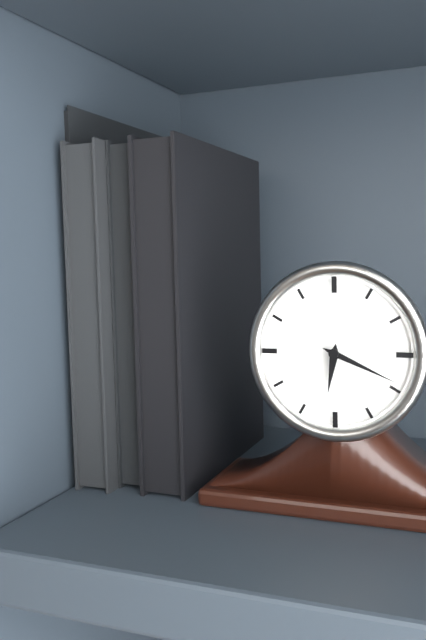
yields h=6 m=19
